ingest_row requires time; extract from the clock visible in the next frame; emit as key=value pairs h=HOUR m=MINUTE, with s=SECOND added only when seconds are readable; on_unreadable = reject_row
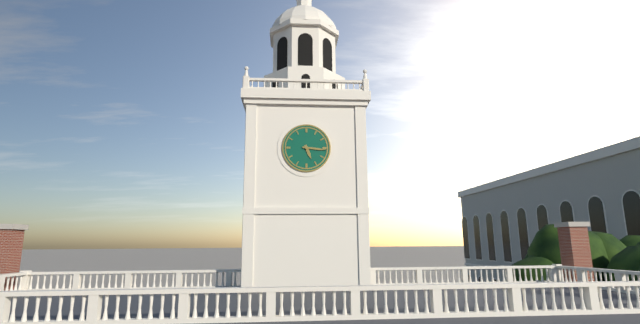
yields h=5 m=16
